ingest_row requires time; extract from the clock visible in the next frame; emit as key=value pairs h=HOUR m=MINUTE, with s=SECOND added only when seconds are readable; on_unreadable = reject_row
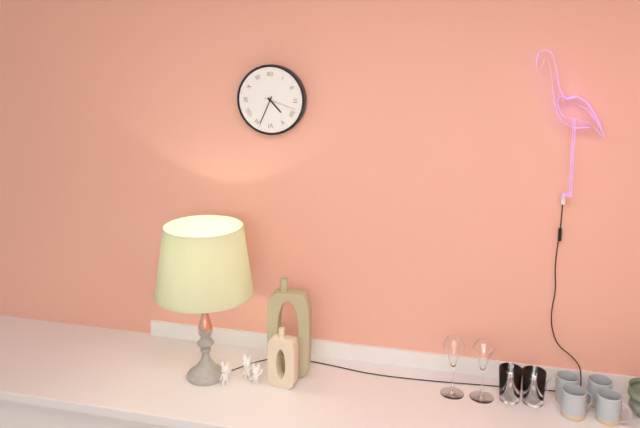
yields h=4 m=34
